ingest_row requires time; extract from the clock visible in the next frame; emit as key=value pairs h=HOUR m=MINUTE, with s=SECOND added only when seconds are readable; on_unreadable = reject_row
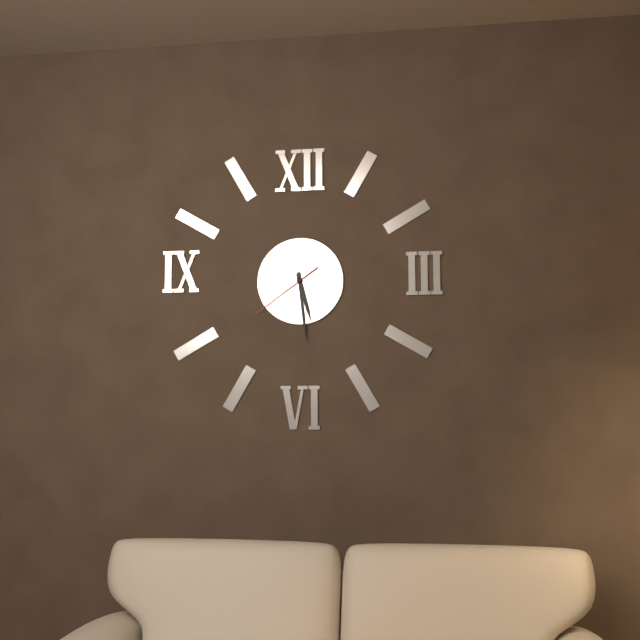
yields h=5 m=29 s=39
